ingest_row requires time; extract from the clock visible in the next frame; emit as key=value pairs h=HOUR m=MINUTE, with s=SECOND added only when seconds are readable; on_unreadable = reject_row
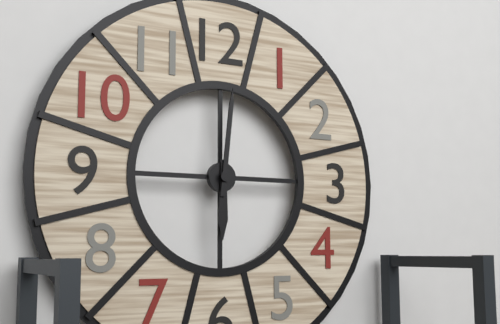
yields h=6 m=1
